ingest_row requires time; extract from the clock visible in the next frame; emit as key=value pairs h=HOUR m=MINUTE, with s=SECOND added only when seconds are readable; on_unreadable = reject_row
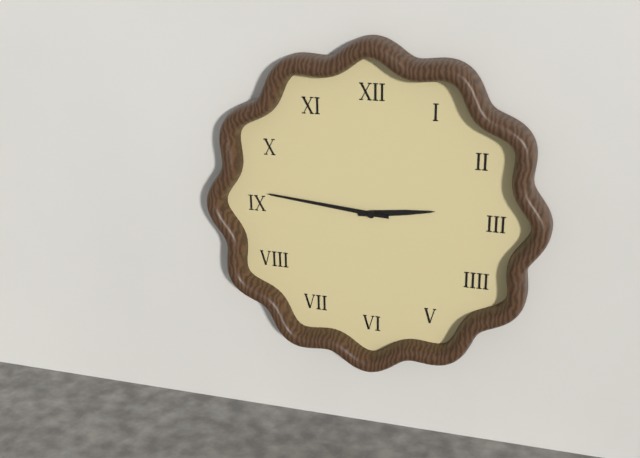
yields h=2 m=46
